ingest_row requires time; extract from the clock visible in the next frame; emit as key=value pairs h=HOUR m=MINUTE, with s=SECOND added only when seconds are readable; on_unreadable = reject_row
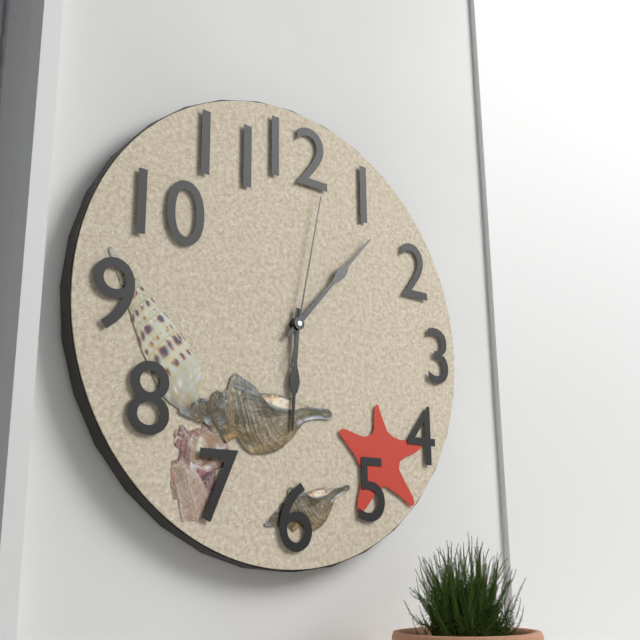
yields h=6 m=7 s=2
